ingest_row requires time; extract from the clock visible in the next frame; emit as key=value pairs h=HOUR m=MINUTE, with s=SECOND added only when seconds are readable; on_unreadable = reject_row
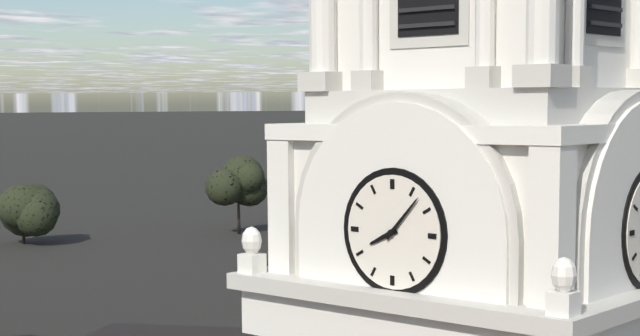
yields h=8 m=7
